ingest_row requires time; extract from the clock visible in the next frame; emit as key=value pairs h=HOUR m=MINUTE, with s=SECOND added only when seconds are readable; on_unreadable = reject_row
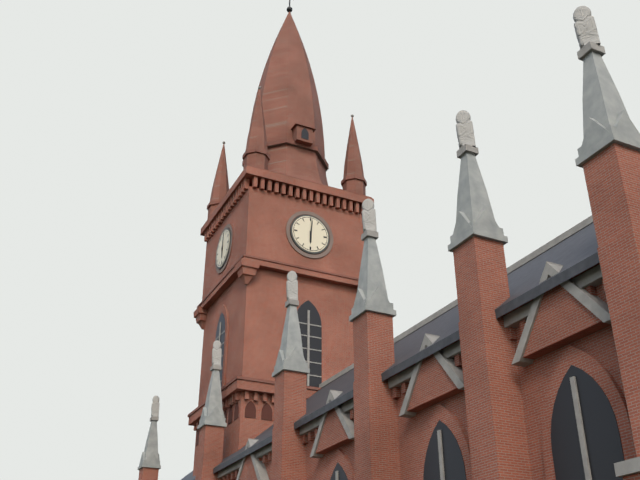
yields h=6 m=1
